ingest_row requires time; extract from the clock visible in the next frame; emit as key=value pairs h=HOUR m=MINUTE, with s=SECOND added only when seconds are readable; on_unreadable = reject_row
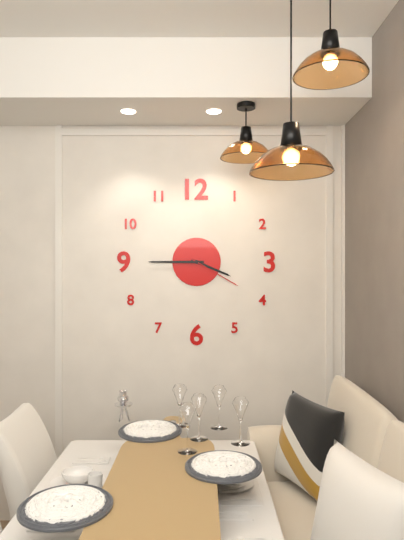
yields h=3 m=45 s=20
